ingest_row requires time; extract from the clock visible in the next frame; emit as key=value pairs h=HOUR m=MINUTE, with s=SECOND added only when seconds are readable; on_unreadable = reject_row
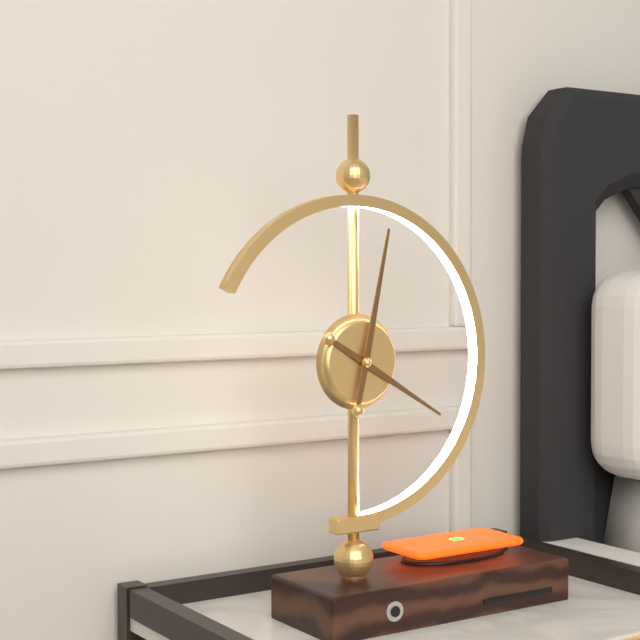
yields h=4 m=2
